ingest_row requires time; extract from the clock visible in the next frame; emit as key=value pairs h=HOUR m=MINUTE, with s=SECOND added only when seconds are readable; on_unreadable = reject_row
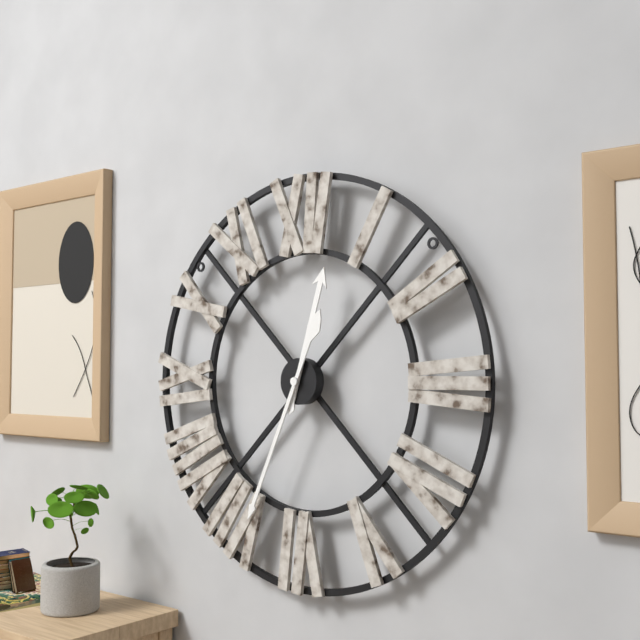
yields h=12 m=34
